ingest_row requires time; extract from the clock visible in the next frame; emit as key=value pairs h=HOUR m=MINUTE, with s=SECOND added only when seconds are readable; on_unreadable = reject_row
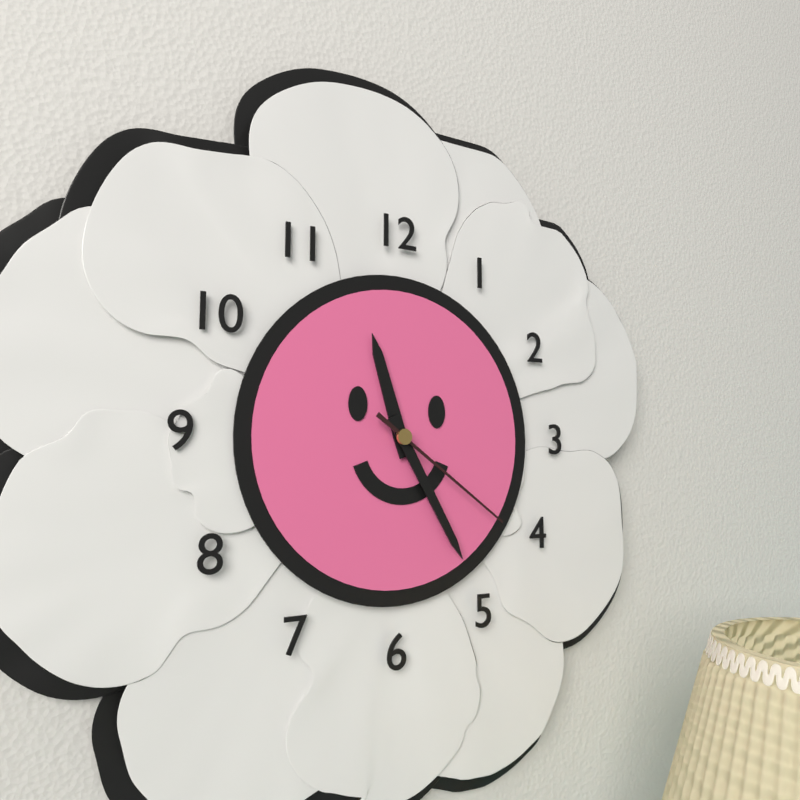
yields h=11 m=25 s=21
